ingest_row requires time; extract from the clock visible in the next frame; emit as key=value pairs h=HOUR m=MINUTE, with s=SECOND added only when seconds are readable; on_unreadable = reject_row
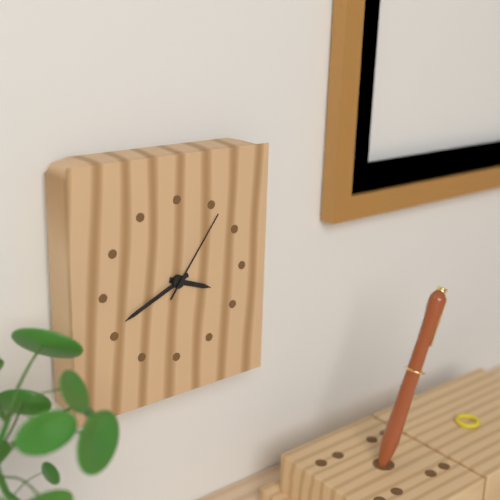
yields h=3 m=41 s=6
